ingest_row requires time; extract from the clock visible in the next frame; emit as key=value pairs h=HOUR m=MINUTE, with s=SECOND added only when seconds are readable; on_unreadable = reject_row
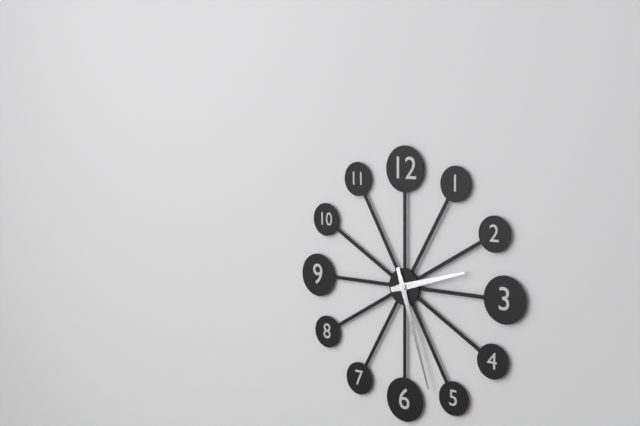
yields h=2 m=27
